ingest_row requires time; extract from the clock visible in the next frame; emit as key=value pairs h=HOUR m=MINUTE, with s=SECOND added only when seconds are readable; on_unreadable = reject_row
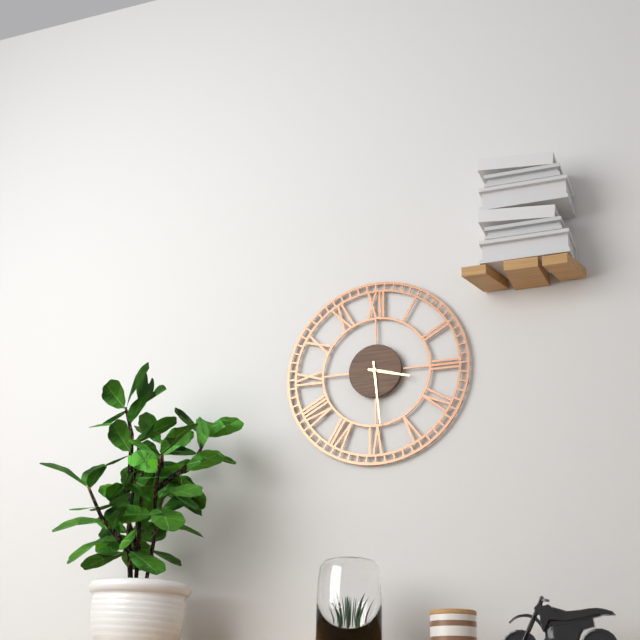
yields h=3 m=29
